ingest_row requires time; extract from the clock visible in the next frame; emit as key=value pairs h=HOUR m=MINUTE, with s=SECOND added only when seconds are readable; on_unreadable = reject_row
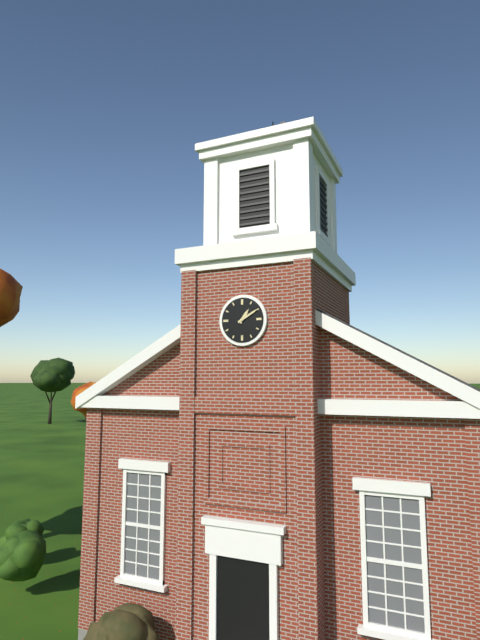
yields h=1 m=10
